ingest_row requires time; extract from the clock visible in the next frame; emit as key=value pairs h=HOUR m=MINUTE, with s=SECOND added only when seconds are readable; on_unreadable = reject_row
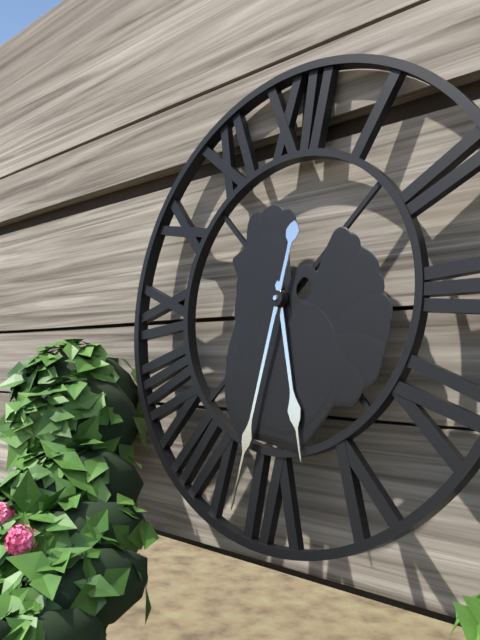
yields h=5 m=32
